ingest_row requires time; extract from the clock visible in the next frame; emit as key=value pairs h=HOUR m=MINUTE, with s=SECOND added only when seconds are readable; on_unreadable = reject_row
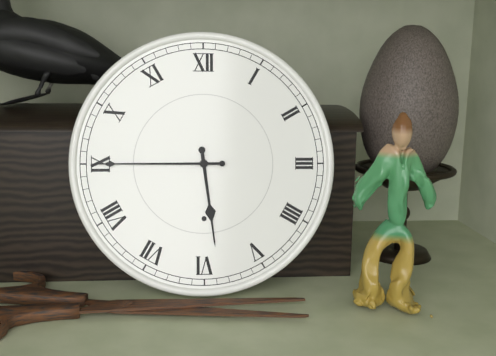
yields h=5 m=45
